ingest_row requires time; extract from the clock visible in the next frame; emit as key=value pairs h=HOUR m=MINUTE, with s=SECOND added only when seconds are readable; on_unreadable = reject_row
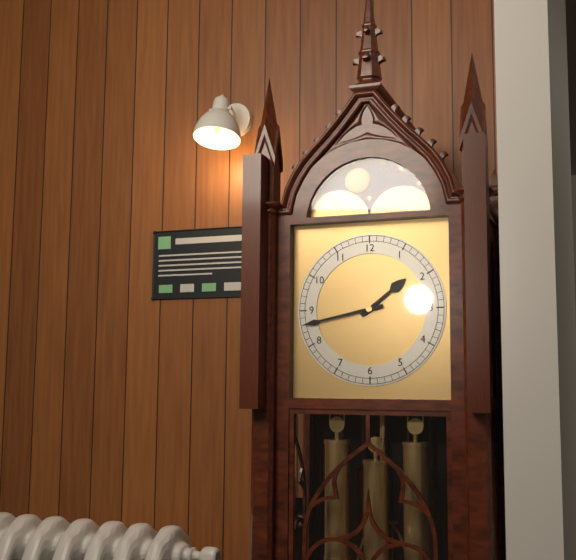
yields h=1 m=43
